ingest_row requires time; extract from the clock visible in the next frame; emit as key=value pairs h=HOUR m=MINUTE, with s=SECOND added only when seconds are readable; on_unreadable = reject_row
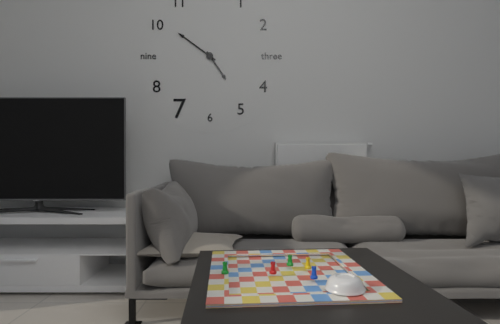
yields h=4 m=51
